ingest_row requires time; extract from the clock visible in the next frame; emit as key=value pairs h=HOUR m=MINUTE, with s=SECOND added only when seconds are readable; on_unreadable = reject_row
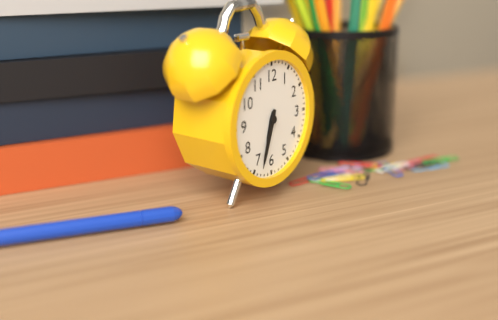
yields h=6 m=33
